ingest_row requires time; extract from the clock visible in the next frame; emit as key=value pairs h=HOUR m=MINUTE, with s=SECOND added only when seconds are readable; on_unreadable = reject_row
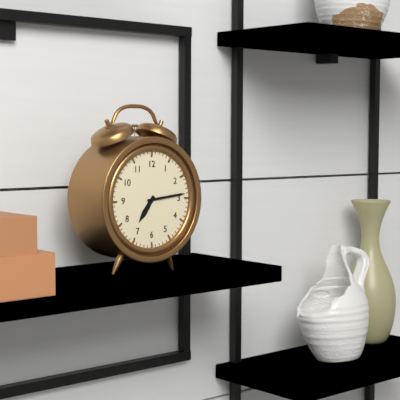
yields h=7 m=14
